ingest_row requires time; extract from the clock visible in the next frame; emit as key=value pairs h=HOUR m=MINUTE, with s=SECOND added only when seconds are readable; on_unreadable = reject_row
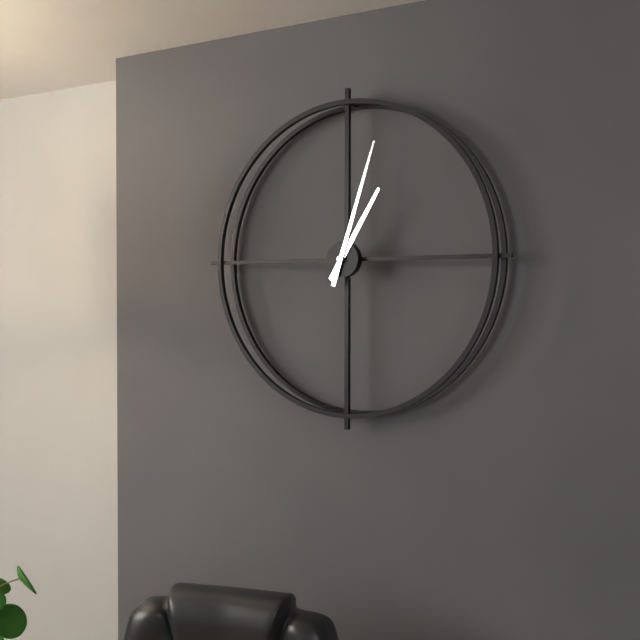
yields h=1 m=3
